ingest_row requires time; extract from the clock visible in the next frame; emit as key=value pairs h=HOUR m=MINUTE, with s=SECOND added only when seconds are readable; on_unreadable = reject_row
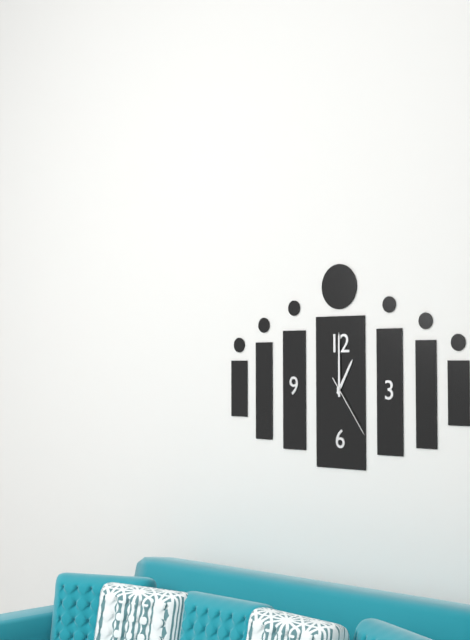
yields h=1 m=0 s=24
